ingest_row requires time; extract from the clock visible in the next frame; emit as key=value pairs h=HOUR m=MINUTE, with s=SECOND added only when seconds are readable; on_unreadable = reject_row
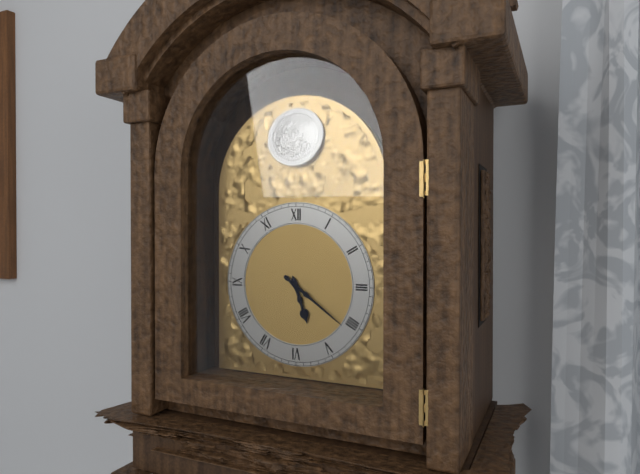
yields h=5 m=21
